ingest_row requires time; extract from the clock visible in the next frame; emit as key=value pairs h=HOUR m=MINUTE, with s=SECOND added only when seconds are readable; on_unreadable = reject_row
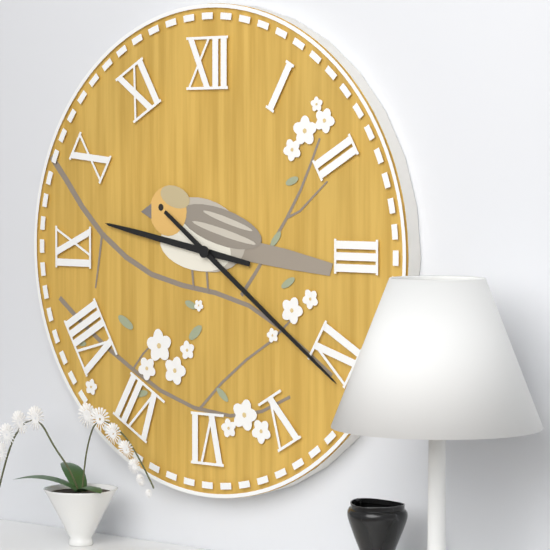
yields h=9 m=21
